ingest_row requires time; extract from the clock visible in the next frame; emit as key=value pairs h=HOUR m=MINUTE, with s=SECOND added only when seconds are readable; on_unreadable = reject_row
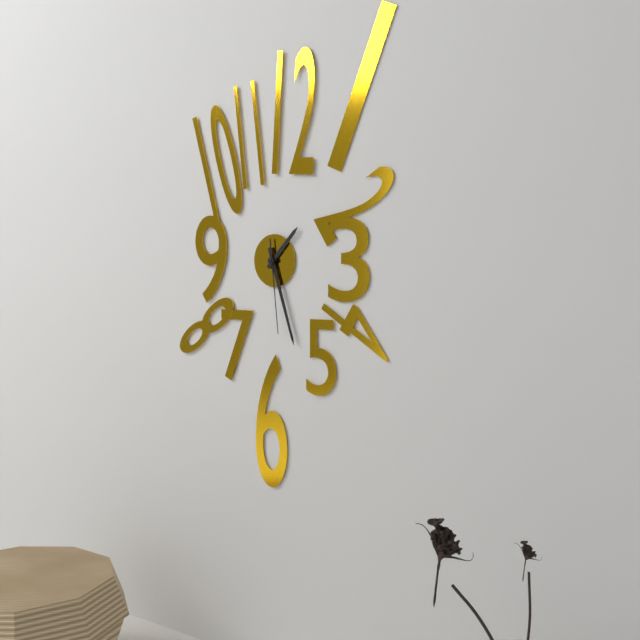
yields h=1 m=27 s=29
